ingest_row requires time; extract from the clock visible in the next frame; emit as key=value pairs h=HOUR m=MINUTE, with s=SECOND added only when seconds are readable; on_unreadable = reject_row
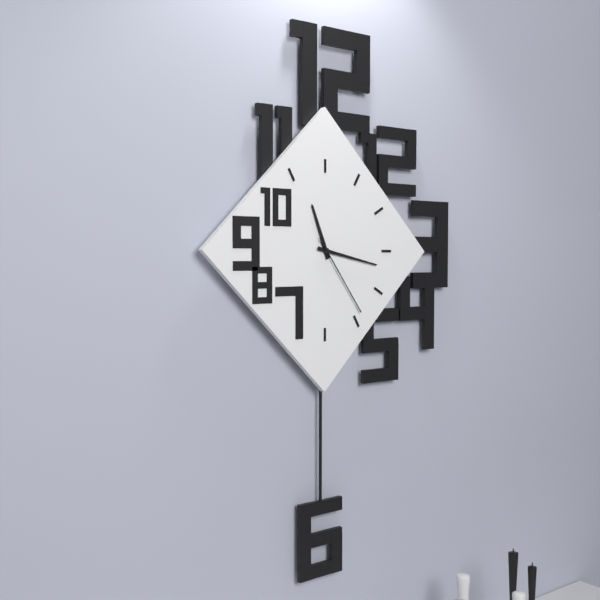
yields h=11 m=17 s=24
